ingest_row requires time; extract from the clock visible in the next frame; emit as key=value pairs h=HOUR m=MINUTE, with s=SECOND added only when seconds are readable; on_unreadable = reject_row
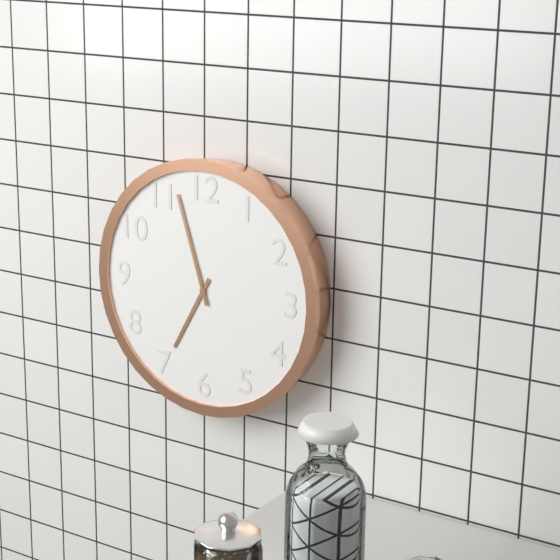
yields h=6 m=57
